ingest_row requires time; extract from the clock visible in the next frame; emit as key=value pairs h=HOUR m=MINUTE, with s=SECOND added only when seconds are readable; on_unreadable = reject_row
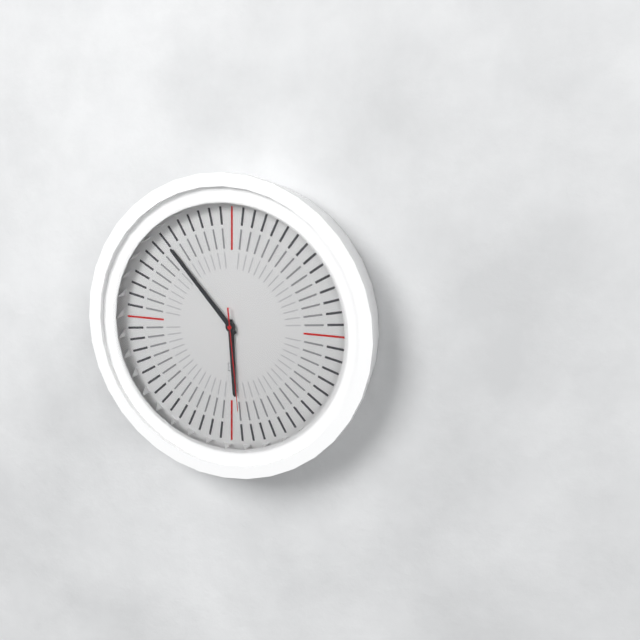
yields h=5 m=53 s=29
